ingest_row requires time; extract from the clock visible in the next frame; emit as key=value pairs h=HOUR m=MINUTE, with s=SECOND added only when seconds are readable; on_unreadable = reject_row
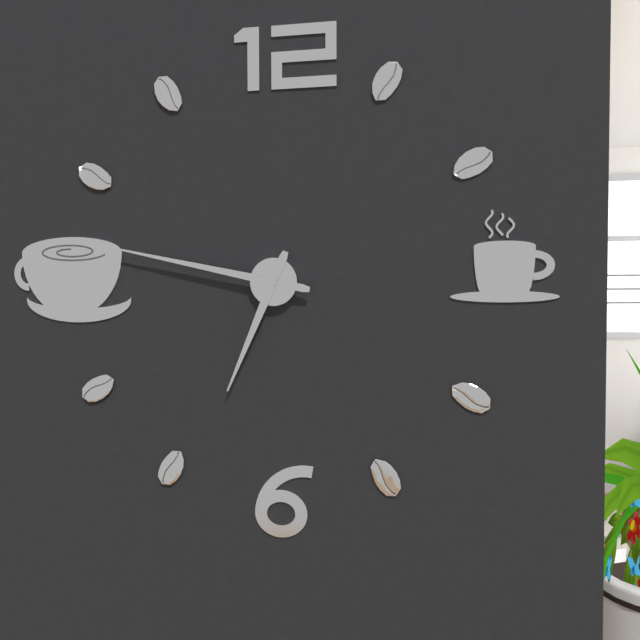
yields h=6 m=47
